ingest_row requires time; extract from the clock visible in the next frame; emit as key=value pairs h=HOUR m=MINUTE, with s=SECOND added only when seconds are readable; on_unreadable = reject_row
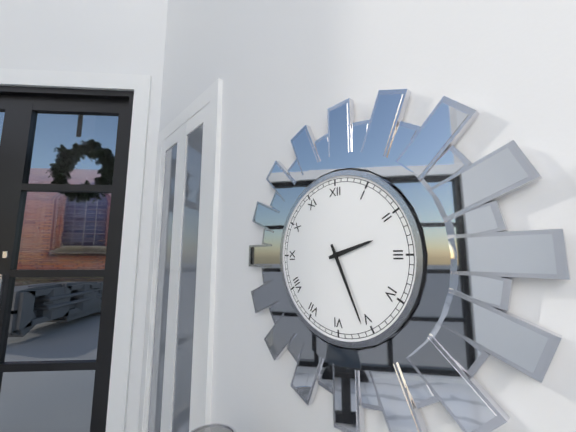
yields h=2 m=26
